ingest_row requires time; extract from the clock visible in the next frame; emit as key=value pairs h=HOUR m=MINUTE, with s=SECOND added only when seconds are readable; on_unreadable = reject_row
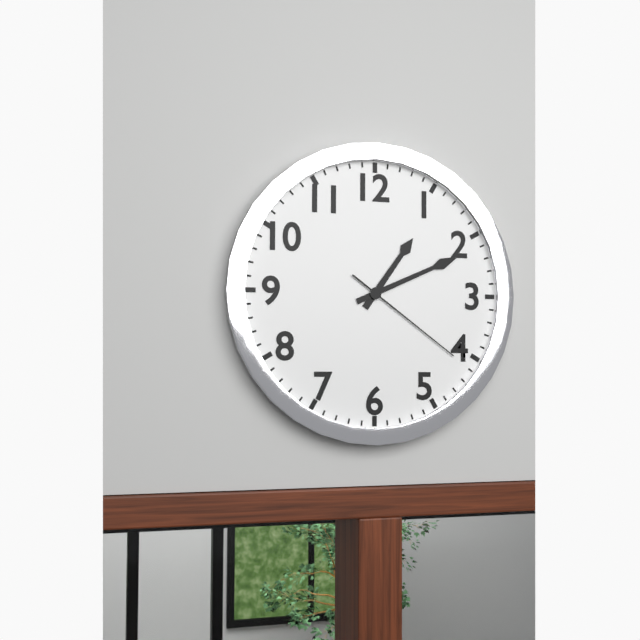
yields h=1 m=11 s=21
